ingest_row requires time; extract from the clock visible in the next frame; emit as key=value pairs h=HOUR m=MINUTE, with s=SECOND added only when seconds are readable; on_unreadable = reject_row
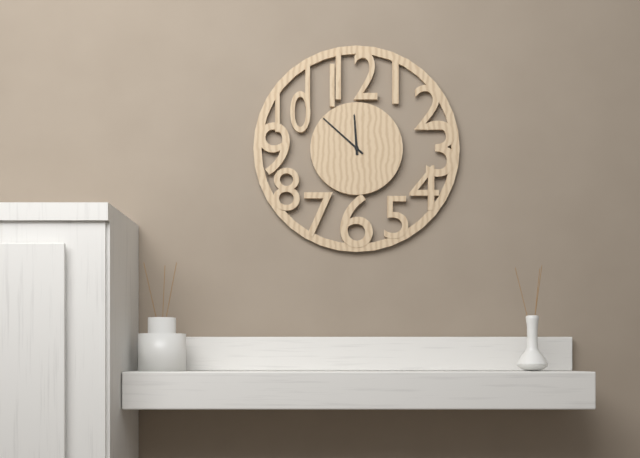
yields h=11 m=52
